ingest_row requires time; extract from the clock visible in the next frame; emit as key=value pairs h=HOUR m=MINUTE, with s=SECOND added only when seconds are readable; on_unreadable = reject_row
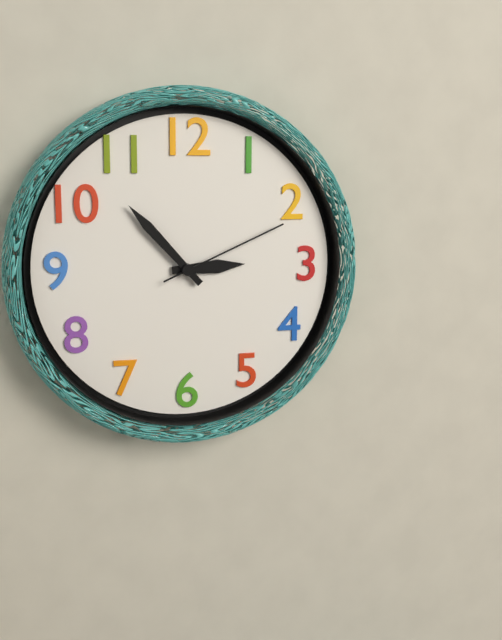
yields h=2 m=53 s=11
